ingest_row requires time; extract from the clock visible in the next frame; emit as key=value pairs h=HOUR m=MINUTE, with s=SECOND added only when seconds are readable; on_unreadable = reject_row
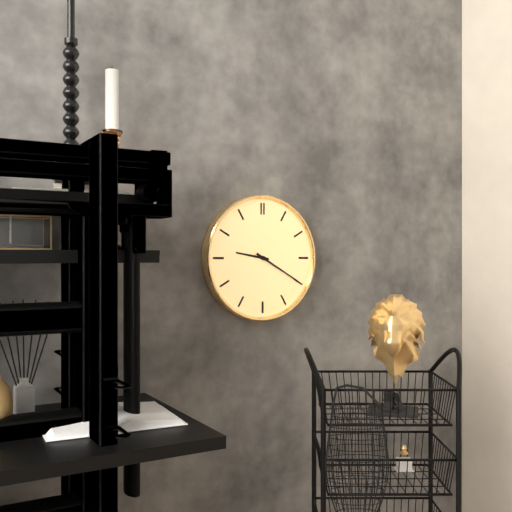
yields h=9 m=20
